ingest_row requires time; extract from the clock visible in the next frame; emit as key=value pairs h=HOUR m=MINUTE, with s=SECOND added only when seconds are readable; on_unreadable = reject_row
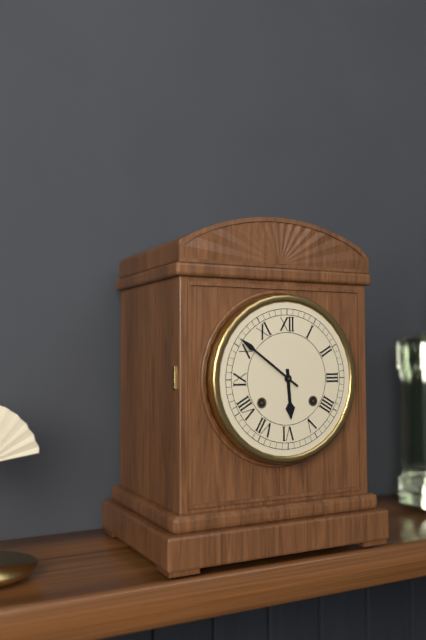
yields h=5 m=51
